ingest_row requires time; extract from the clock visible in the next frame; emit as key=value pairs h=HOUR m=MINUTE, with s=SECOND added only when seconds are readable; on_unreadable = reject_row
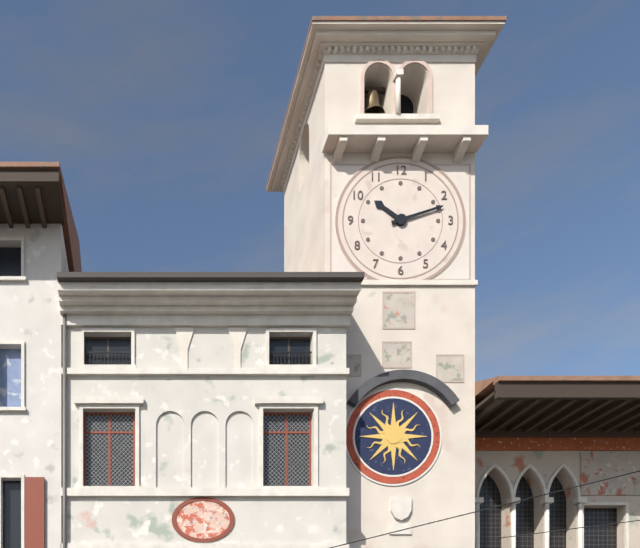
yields h=10 m=12
